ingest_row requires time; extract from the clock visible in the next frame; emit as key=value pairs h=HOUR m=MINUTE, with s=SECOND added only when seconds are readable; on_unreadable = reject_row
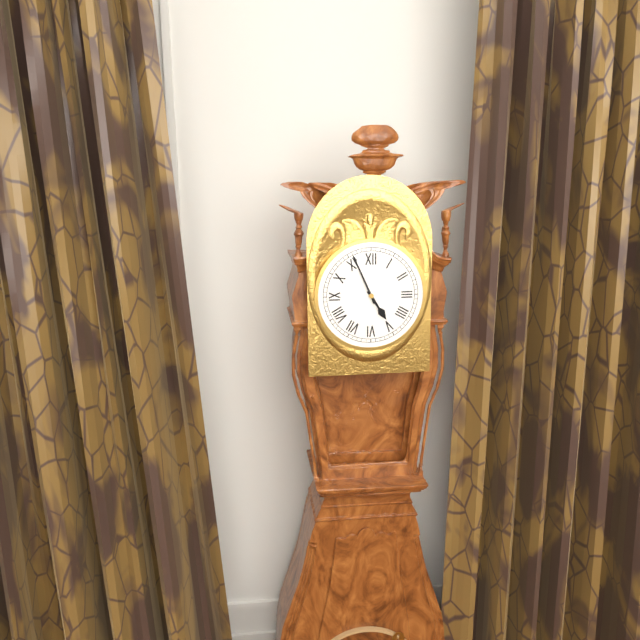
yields h=4 m=56
